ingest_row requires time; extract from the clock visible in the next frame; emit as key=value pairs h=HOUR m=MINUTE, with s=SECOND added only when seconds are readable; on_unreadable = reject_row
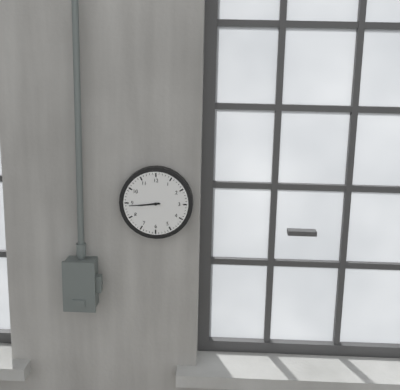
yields h=8 m=44
